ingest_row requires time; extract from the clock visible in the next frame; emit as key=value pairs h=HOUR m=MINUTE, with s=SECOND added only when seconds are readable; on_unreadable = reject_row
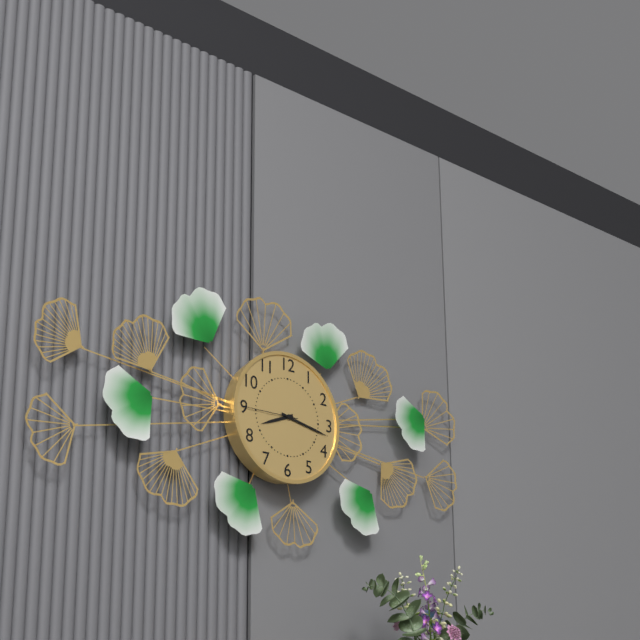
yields h=8 m=17 s=45
